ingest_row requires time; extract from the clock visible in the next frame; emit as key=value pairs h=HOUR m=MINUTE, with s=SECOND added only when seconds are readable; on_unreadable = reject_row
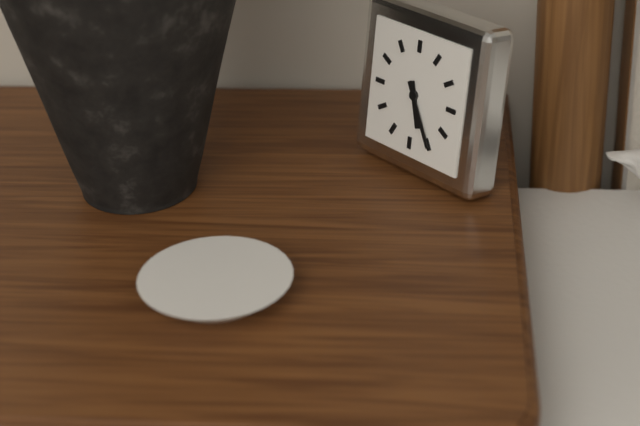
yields h=5 m=25
